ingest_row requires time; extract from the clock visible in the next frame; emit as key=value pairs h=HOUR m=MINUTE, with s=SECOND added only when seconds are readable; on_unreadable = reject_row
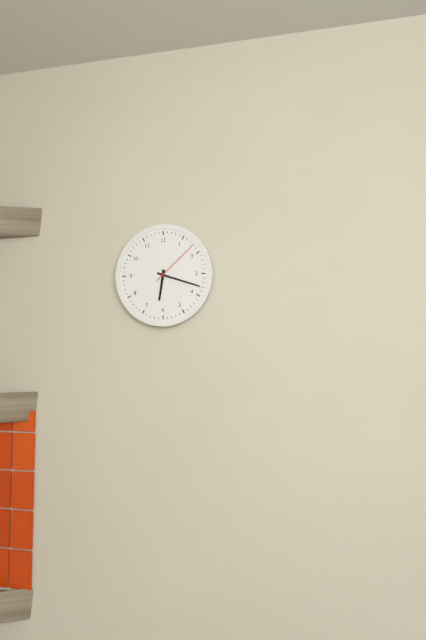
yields h=6 m=18 s=8
